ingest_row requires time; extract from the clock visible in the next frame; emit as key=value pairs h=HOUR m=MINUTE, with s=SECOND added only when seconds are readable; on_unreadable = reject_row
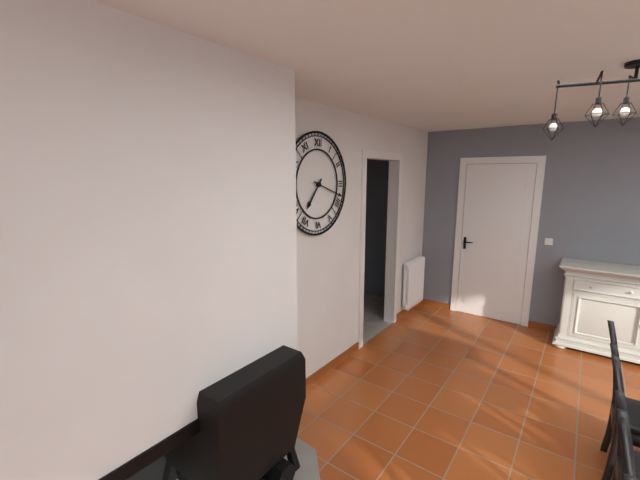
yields h=7 m=18
